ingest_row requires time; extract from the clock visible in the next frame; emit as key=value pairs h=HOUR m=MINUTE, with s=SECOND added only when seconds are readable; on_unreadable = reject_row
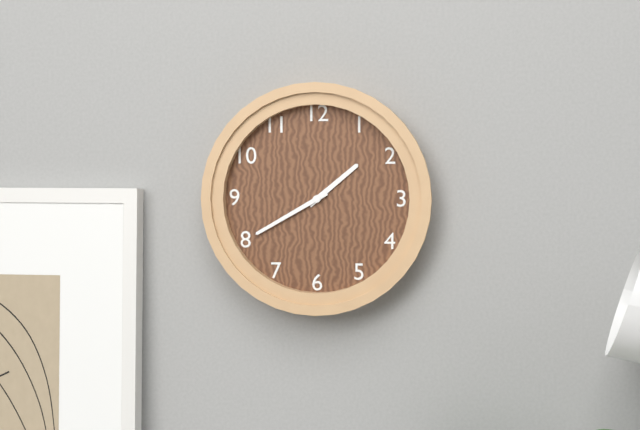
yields h=1 m=40
